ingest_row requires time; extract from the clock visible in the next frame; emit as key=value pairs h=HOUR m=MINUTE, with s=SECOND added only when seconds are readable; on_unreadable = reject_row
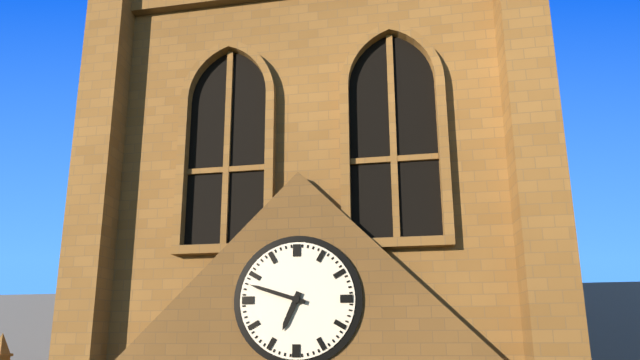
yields h=6 m=48
